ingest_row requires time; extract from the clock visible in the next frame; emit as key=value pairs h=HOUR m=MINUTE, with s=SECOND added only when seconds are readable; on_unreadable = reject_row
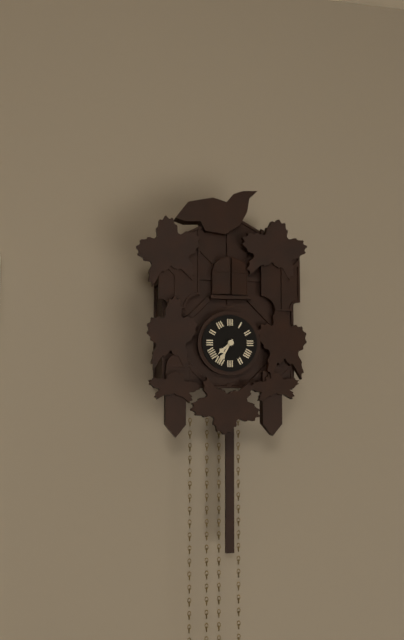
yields h=7 m=35
